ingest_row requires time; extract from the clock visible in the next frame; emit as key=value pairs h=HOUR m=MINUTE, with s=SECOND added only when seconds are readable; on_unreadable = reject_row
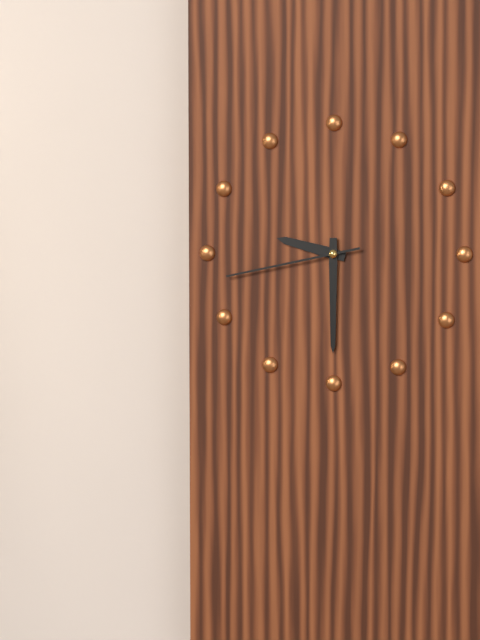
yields h=9 m=30 s=43
